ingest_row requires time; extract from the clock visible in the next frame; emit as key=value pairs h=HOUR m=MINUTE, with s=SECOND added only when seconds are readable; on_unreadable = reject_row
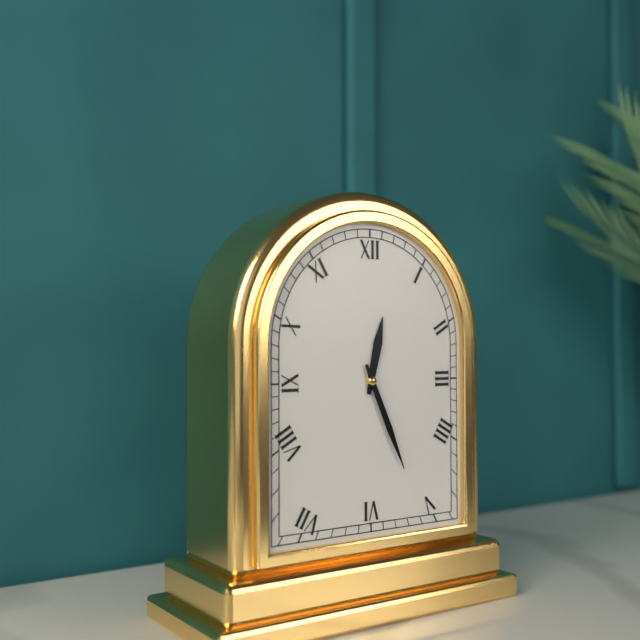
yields h=12 m=26
